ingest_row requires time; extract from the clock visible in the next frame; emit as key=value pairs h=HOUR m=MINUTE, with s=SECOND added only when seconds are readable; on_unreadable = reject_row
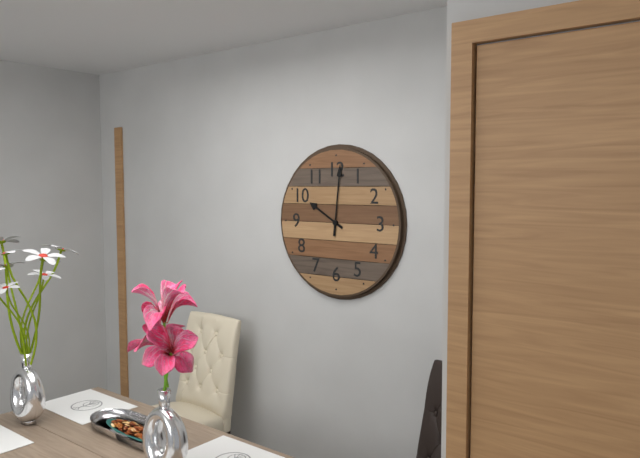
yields h=10 m=1
